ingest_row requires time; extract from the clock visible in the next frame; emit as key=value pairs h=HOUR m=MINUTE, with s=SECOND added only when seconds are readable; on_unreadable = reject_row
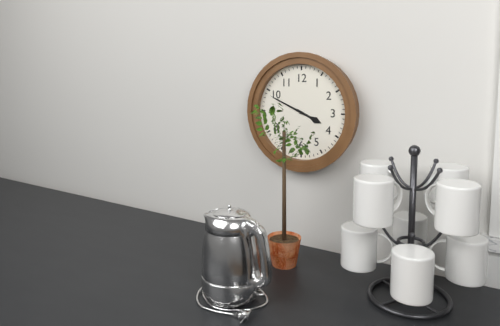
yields h=3 m=49
